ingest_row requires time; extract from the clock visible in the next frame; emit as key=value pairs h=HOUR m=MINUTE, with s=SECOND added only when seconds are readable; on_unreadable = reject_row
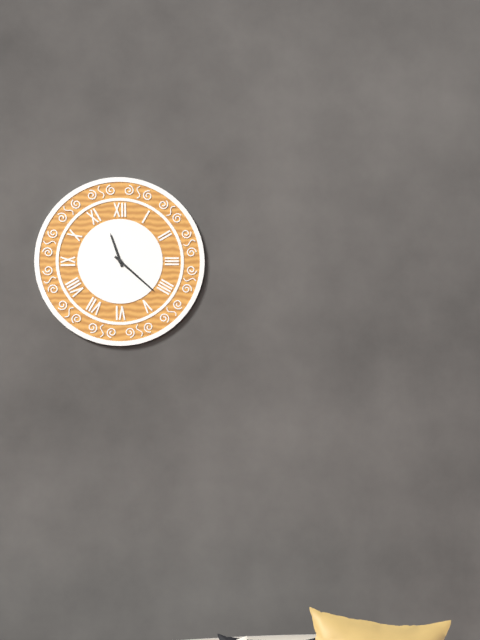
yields h=11 m=22
